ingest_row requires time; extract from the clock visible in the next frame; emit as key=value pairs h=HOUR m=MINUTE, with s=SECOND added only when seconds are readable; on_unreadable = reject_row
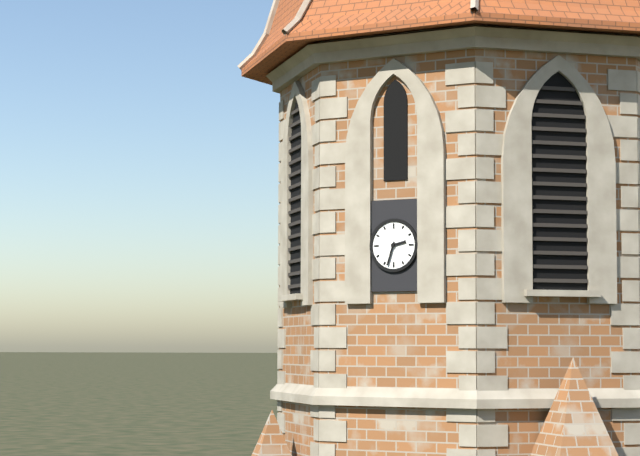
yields h=2 m=33
